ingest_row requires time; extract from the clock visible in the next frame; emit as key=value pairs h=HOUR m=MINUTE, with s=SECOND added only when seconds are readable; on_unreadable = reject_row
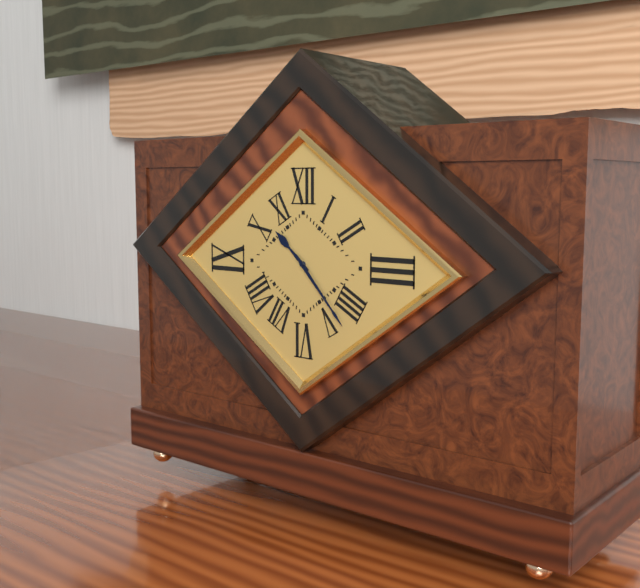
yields h=10 m=23
